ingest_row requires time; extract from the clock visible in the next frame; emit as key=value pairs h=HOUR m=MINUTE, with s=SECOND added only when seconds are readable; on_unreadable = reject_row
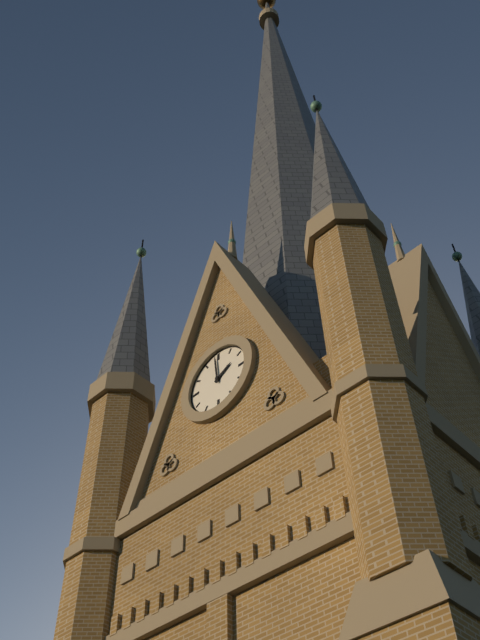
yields h=1 m=59
